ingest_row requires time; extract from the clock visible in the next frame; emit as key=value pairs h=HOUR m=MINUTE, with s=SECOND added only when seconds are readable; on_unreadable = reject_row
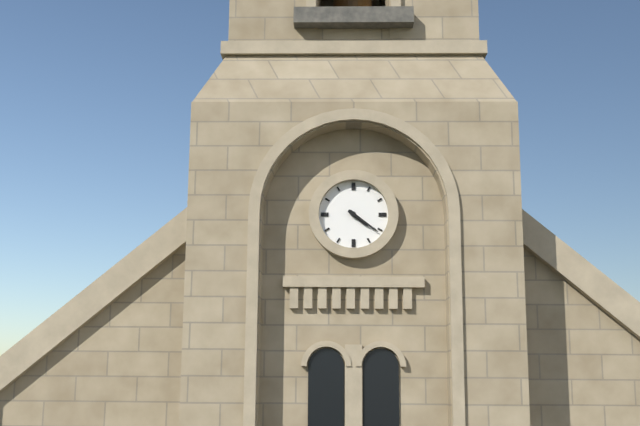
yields h=4 m=21
